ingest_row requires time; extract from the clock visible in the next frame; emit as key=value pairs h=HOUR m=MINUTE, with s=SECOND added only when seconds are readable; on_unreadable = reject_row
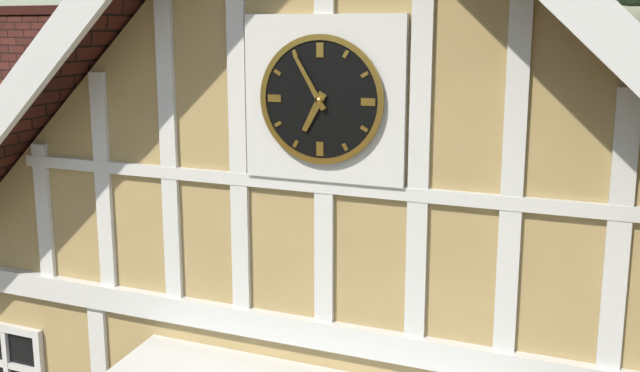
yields h=6 m=55
